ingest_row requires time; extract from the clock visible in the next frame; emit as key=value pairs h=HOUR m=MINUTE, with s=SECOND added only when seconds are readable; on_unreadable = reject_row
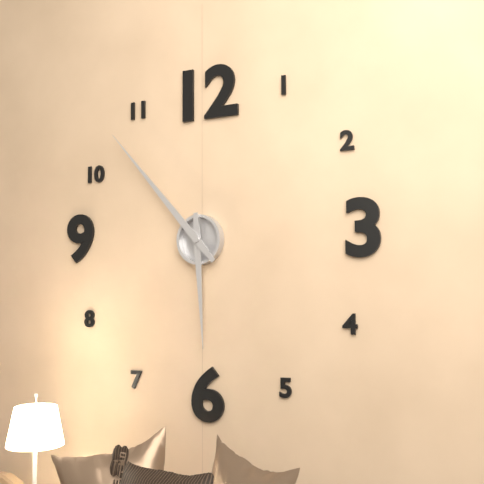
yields h=5 m=53
